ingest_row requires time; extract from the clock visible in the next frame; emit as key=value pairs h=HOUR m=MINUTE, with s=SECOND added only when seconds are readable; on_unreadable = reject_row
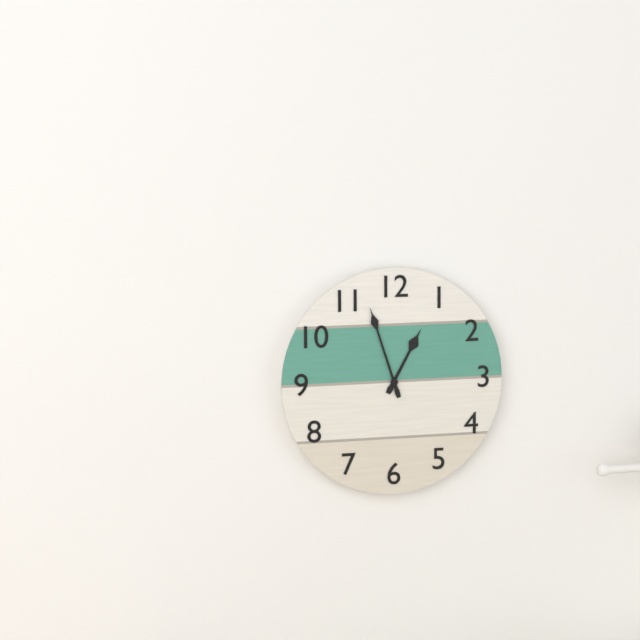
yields h=12 m=57
